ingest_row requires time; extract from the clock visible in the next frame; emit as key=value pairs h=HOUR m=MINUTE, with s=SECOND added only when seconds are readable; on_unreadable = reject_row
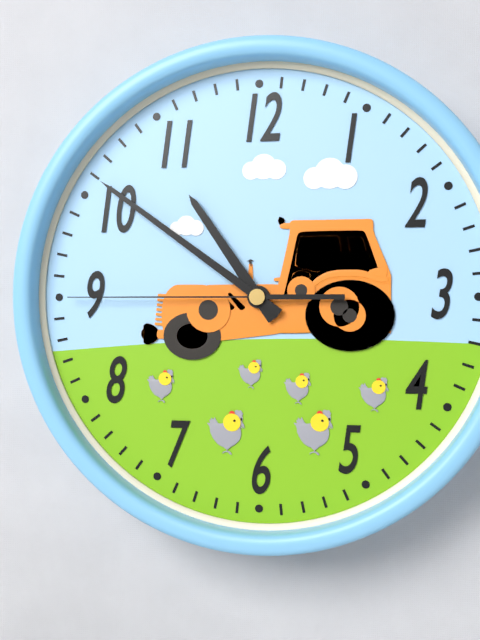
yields h=10 m=51 s=45
